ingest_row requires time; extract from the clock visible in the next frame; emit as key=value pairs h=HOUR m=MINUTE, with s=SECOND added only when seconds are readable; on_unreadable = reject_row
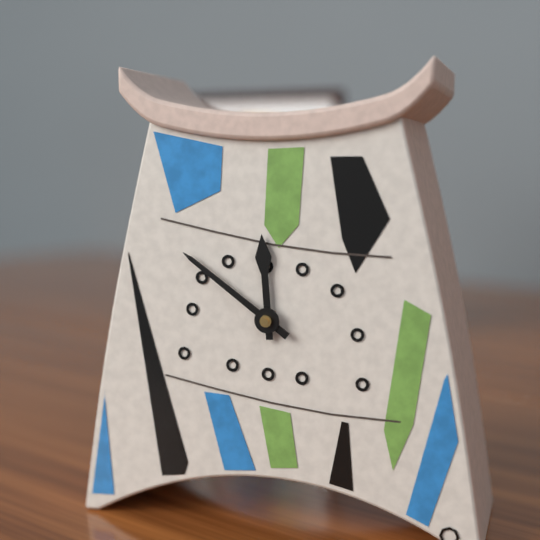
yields h=11 m=51
